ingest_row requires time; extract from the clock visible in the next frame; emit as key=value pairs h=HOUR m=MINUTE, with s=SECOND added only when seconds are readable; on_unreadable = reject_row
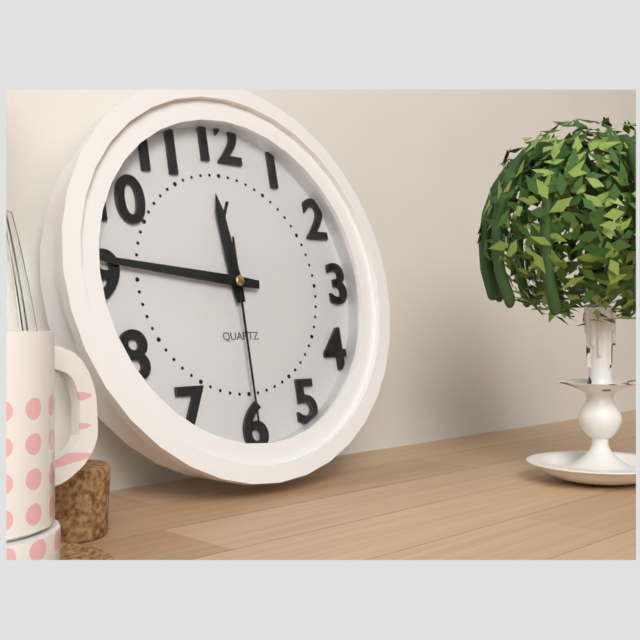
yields h=11 m=46 s=30
